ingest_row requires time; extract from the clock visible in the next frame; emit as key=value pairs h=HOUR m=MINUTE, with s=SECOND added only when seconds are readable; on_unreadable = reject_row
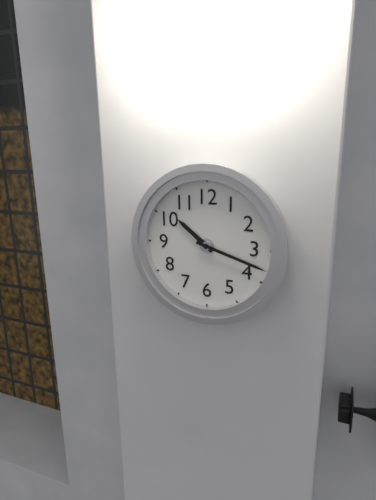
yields h=10 m=18
